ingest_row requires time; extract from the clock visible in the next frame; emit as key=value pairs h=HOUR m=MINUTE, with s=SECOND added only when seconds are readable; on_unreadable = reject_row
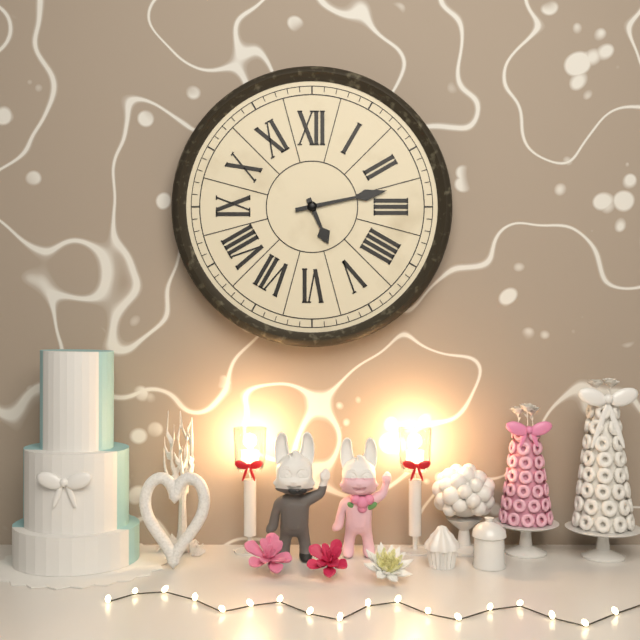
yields h=5 m=13
